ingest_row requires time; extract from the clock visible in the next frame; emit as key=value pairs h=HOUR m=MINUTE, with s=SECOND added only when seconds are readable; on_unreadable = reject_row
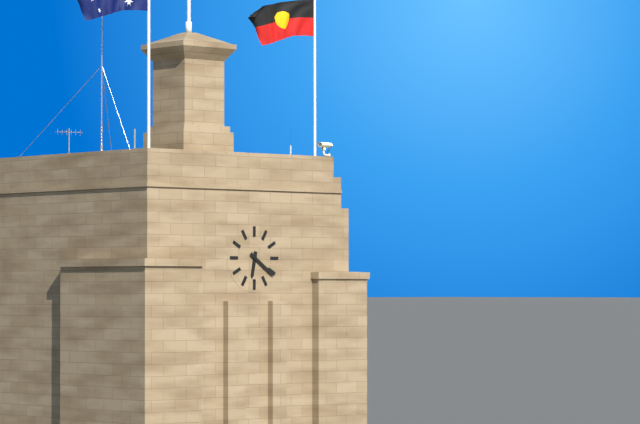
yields h=6 m=21
